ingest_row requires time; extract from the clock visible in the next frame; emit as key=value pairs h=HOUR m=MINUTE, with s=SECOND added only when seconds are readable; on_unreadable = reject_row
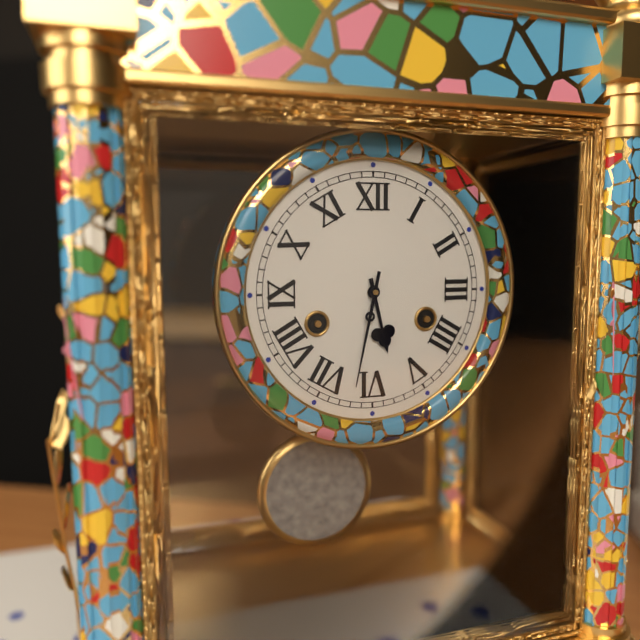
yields h=5 m=32
